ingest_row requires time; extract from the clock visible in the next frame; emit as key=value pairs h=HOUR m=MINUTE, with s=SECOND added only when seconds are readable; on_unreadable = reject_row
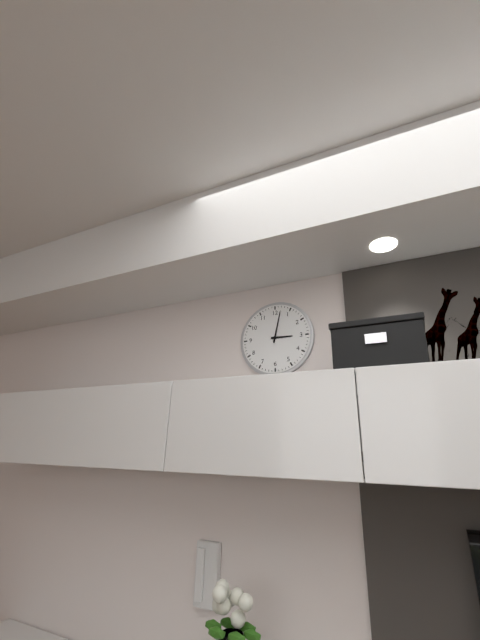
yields h=3 m=2
